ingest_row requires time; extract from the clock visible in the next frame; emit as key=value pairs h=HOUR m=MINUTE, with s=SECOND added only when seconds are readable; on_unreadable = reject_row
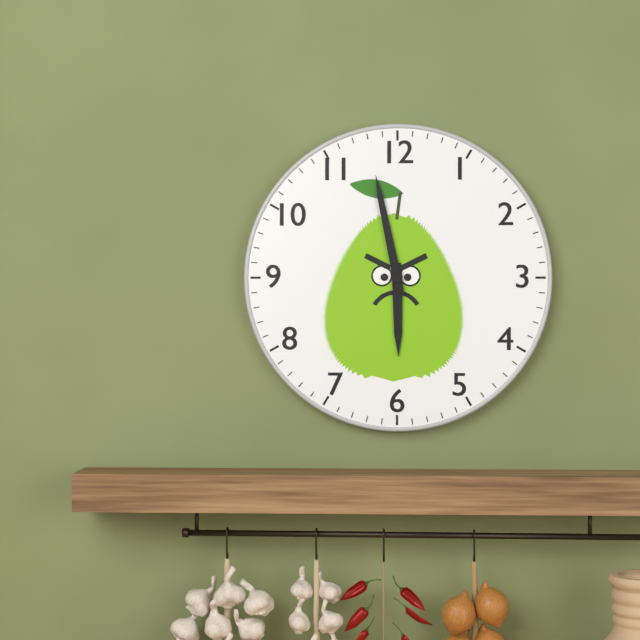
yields h=5 m=58
